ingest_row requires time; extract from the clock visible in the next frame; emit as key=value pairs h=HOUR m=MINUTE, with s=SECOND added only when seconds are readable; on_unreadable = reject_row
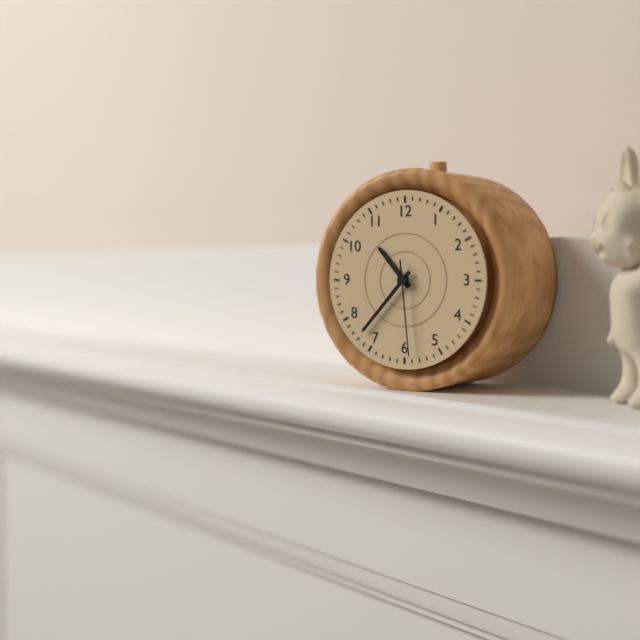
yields h=10 m=37 s=29
